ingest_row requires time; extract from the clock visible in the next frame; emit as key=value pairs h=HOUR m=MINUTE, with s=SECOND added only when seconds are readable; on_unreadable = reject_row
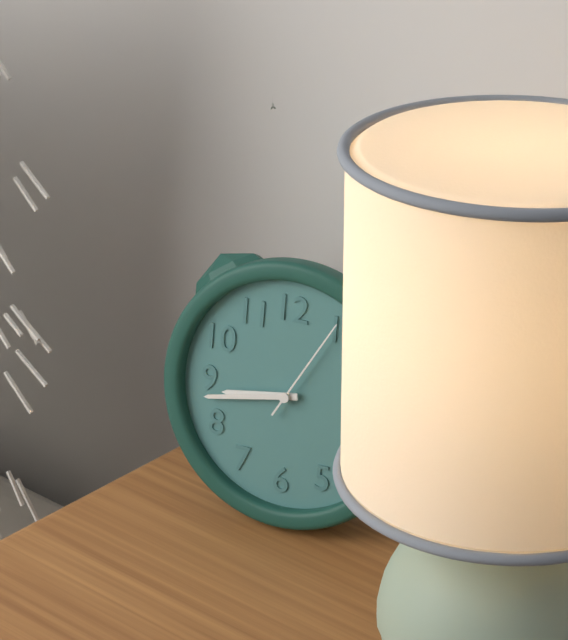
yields h=8 m=43 s=5
